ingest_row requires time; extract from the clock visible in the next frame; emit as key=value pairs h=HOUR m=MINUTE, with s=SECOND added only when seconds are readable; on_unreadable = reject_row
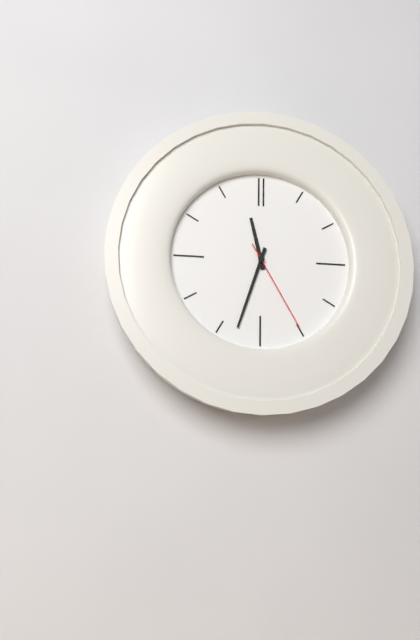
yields h=11 m=33 s=25
